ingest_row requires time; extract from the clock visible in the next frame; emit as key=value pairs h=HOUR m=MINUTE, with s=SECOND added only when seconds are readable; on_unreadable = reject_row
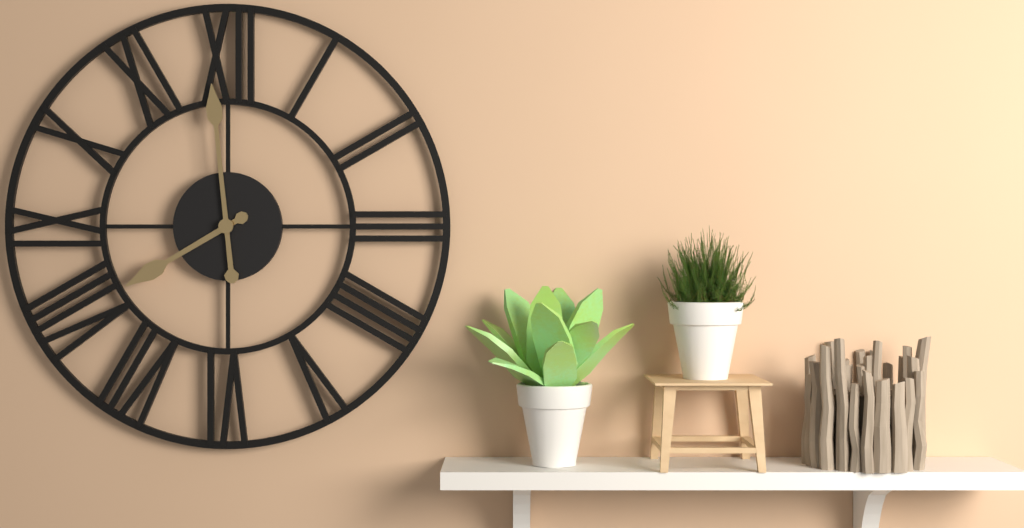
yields h=7 m=59
